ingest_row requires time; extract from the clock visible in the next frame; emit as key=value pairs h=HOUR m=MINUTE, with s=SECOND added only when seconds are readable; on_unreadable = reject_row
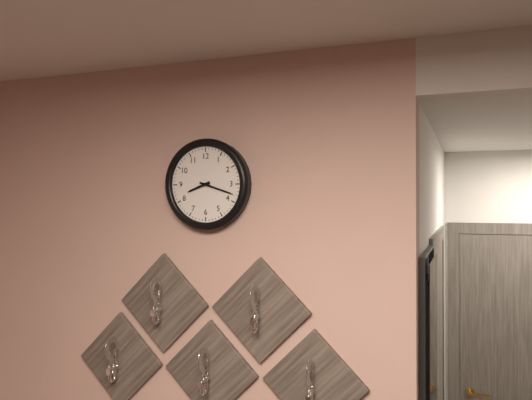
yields h=8 m=18
